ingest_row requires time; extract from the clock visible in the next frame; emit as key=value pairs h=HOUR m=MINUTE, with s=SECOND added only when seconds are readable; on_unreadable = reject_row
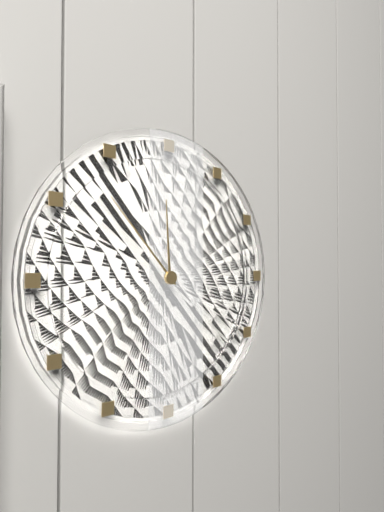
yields h=11 m=53
